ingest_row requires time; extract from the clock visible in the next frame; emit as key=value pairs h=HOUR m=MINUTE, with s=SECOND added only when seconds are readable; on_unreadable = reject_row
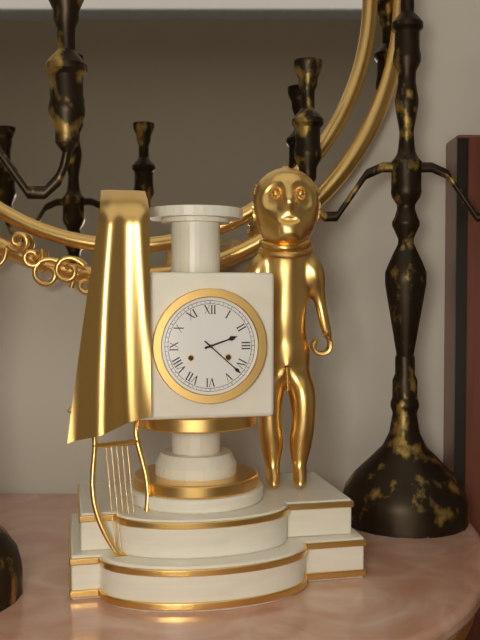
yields h=2 m=22
